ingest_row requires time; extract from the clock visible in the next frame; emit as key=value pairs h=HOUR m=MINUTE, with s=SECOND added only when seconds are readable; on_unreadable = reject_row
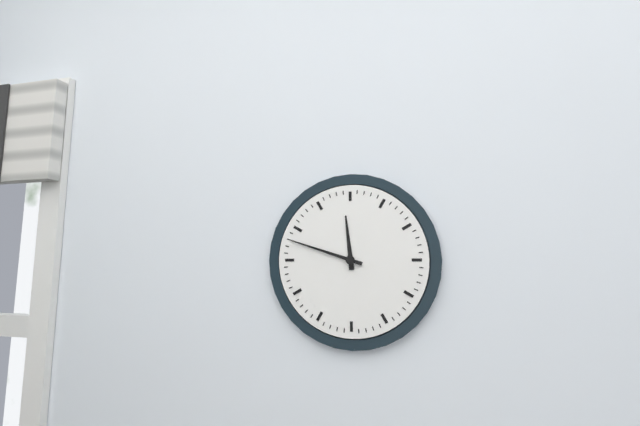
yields h=11 m=48
